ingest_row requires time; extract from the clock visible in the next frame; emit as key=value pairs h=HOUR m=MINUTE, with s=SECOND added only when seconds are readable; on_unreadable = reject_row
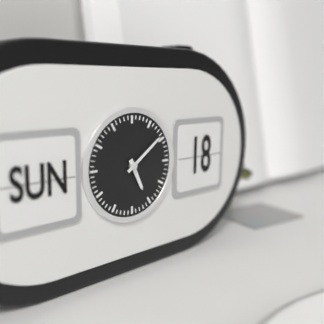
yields h=5 m=9
